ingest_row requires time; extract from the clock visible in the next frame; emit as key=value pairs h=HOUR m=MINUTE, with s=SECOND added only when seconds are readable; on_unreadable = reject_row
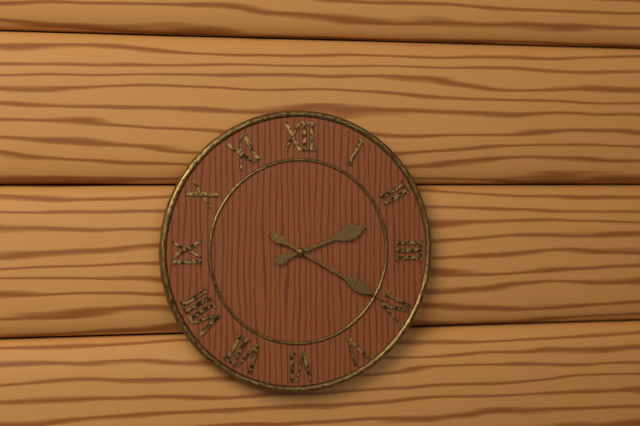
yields h=2 m=20
